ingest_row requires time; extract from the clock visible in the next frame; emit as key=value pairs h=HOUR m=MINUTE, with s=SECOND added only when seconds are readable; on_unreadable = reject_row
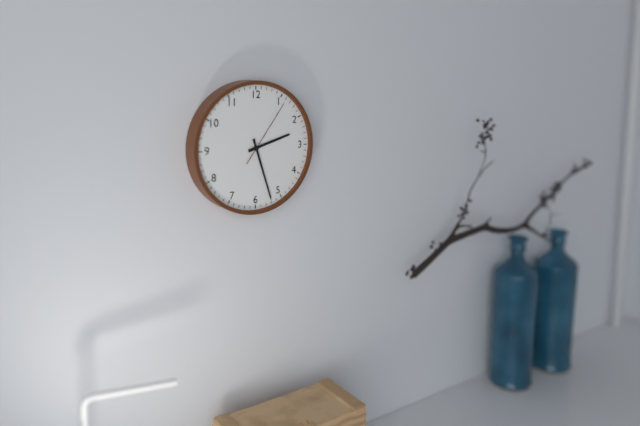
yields h=2 m=27 s=6
